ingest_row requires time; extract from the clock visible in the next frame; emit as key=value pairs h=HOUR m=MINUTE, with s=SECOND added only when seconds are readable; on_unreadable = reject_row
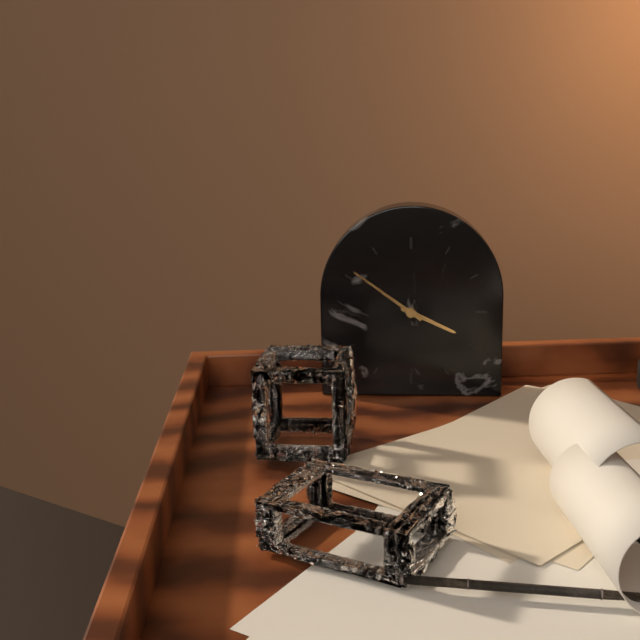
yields h=3 m=51
